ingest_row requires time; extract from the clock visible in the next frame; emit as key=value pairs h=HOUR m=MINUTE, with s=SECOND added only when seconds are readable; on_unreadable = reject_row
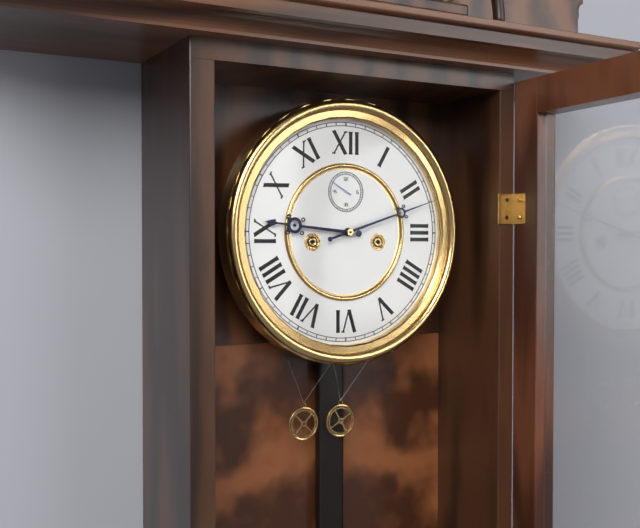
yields h=9 m=12
